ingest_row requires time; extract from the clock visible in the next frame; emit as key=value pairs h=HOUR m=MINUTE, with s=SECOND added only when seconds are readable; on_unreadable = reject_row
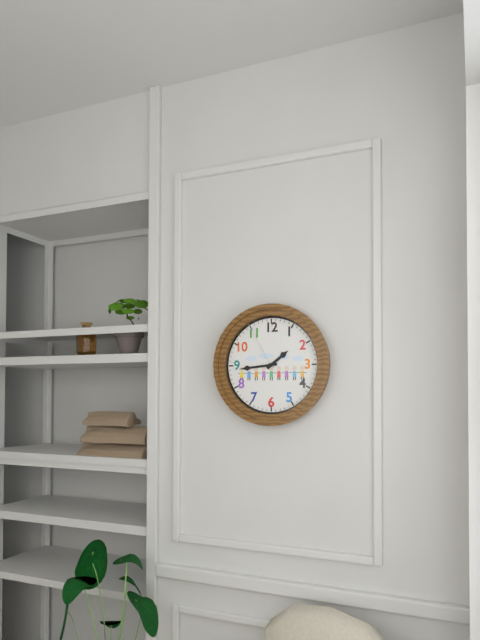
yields h=1 m=44 s=55
